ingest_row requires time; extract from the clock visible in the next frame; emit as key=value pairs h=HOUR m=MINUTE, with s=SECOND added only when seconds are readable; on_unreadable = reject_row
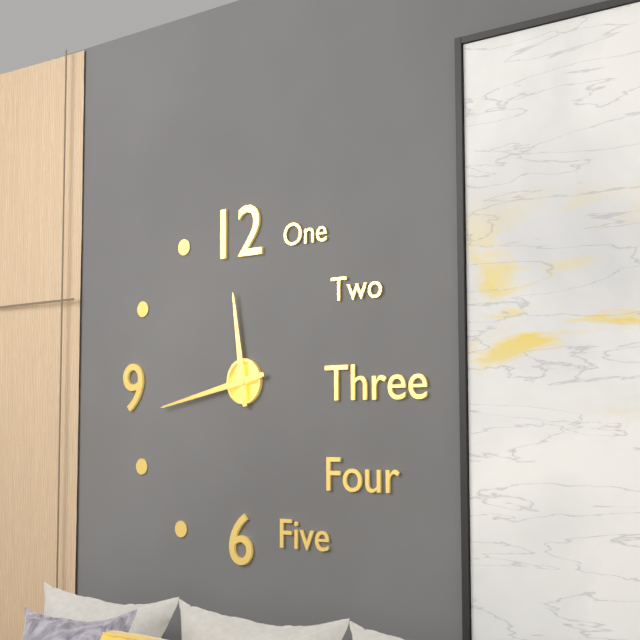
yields h=11 m=43
